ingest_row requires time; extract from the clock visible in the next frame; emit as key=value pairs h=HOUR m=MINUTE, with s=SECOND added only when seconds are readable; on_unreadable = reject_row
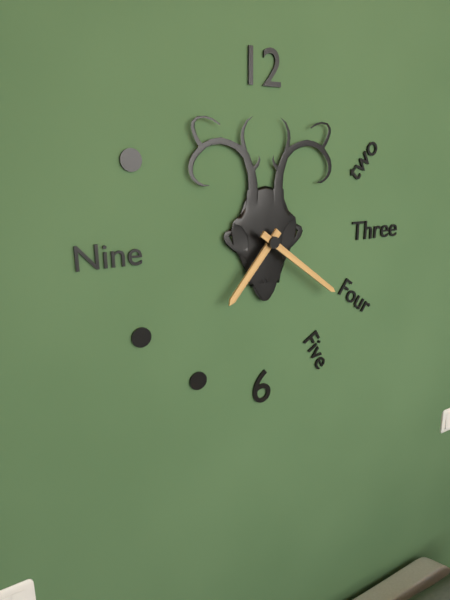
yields h=7 m=21
